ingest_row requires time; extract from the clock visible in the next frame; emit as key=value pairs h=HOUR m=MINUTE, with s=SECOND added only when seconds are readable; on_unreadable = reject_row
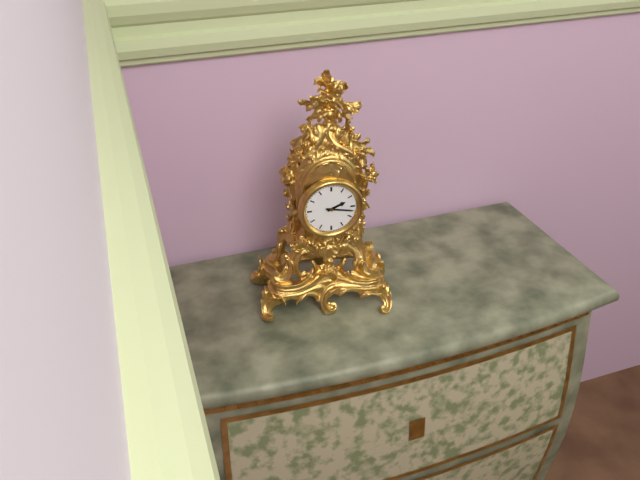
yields h=2 m=17
